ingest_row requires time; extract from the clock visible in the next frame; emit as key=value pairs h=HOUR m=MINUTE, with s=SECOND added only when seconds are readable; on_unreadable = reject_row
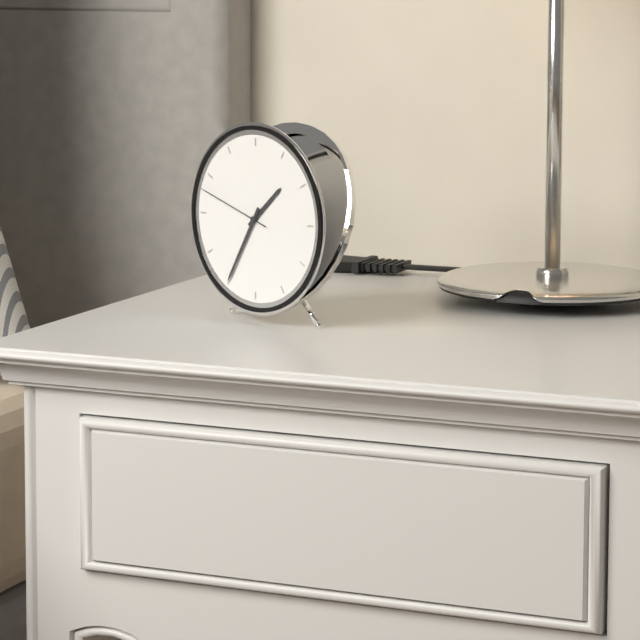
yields h=1 m=35 s=48
